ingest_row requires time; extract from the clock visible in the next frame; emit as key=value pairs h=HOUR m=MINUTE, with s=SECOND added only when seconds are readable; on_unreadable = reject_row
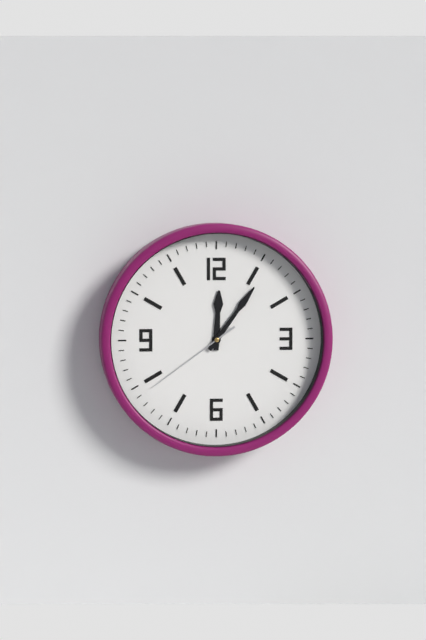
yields h=12 m=6 s=39
